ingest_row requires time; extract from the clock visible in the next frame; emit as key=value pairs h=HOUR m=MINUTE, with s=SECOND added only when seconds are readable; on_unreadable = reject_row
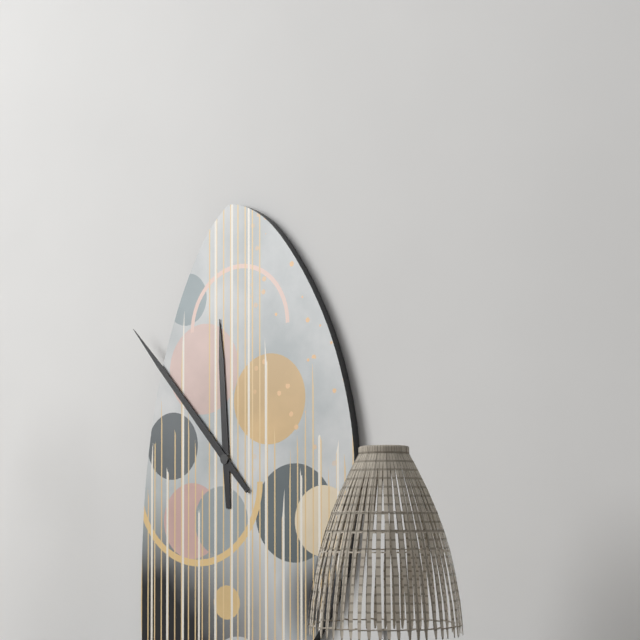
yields h=11 m=53
